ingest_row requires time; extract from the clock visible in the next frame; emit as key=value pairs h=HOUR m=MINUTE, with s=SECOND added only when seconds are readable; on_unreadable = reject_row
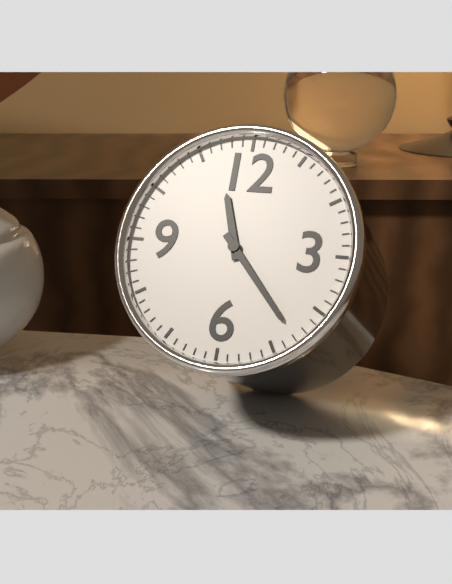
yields h=11 m=23
